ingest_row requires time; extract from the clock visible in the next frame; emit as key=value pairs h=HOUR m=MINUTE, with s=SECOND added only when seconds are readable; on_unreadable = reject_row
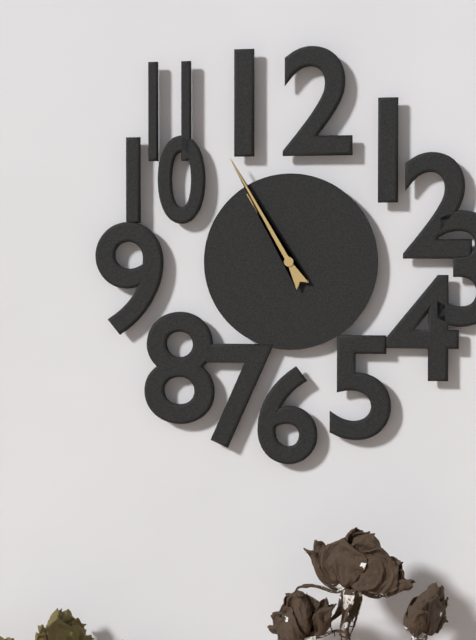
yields h=10 m=55
